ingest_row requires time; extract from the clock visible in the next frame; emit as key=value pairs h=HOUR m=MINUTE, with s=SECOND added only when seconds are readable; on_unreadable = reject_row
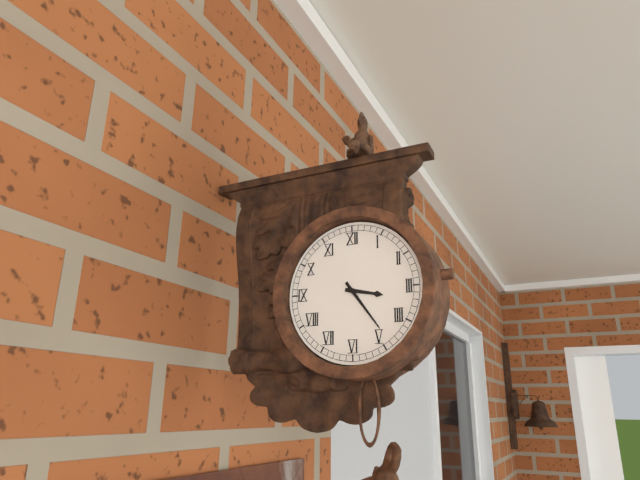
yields h=3 m=24
